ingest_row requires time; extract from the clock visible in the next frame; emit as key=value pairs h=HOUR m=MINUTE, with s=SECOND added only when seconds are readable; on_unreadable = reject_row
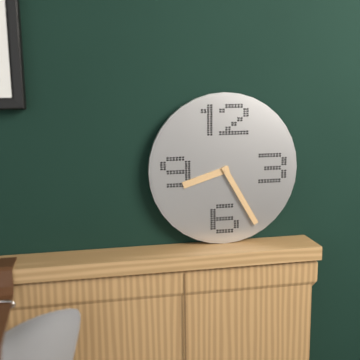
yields h=8 m=25
